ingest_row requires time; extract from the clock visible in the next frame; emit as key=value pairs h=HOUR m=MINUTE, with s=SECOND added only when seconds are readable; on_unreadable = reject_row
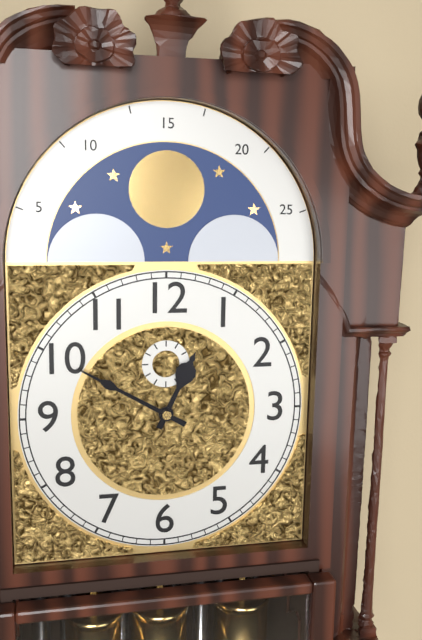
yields h=12 m=50
